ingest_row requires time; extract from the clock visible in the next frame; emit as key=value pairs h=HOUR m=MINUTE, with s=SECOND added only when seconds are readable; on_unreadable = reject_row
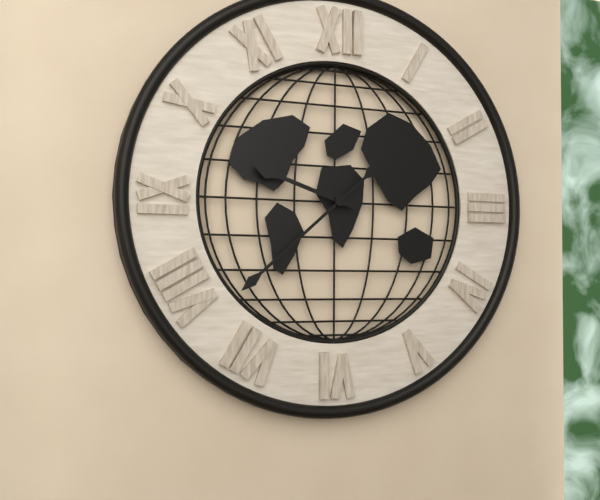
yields h=9 m=38
